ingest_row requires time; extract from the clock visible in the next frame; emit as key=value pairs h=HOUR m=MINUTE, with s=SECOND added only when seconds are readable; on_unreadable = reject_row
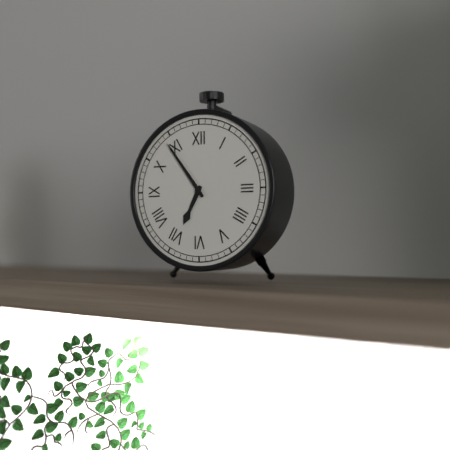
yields h=6 m=54
